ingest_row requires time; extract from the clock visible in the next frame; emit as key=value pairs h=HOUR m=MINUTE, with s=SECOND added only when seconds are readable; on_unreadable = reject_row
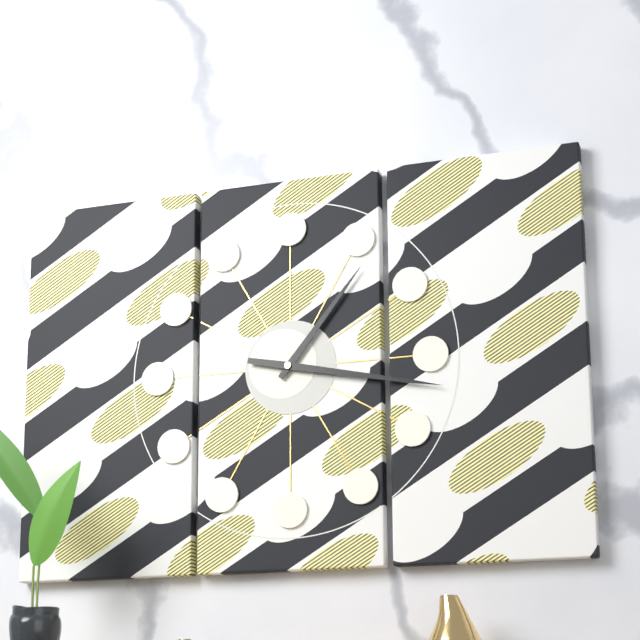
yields h=1 m=17
